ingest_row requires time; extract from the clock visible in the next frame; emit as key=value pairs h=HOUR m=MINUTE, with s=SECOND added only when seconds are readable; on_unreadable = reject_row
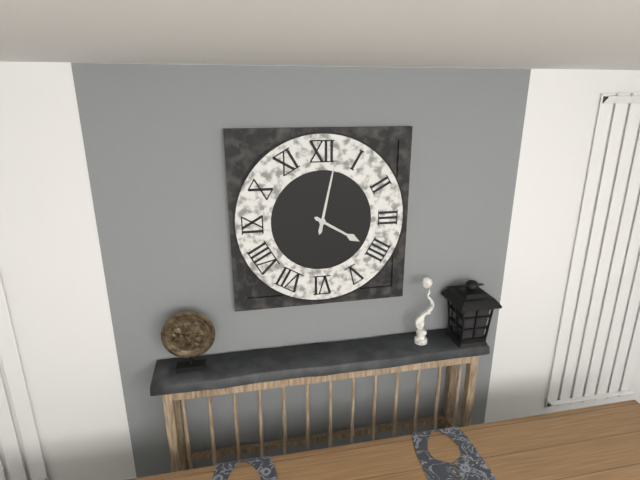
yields h=4 m=2
